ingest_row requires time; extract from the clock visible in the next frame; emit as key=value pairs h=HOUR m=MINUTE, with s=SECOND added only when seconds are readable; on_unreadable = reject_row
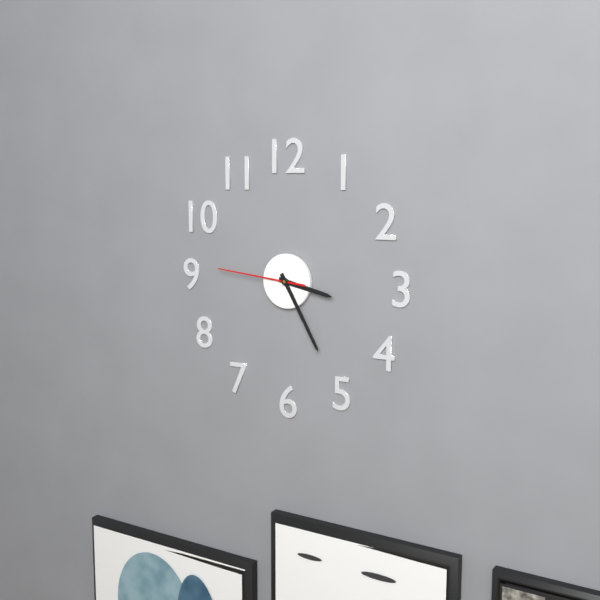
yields h=3 m=25 s=46
